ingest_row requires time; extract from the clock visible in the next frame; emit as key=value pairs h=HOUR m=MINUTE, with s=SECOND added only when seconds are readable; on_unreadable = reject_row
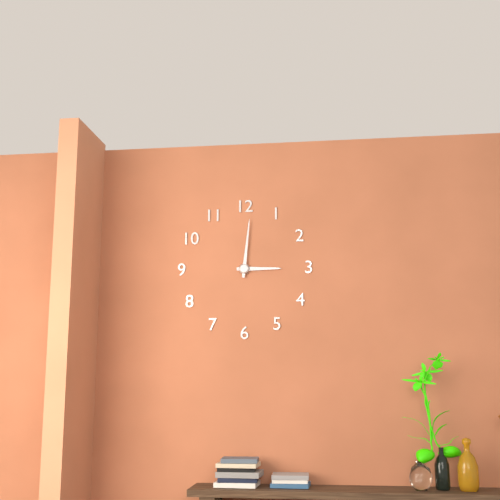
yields h=3 m=1
